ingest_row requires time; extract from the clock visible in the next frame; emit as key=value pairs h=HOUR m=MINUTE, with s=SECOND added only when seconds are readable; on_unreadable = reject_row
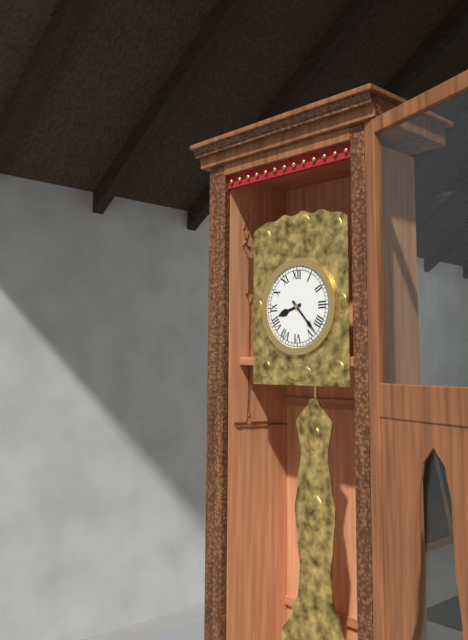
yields h=8 m=23
